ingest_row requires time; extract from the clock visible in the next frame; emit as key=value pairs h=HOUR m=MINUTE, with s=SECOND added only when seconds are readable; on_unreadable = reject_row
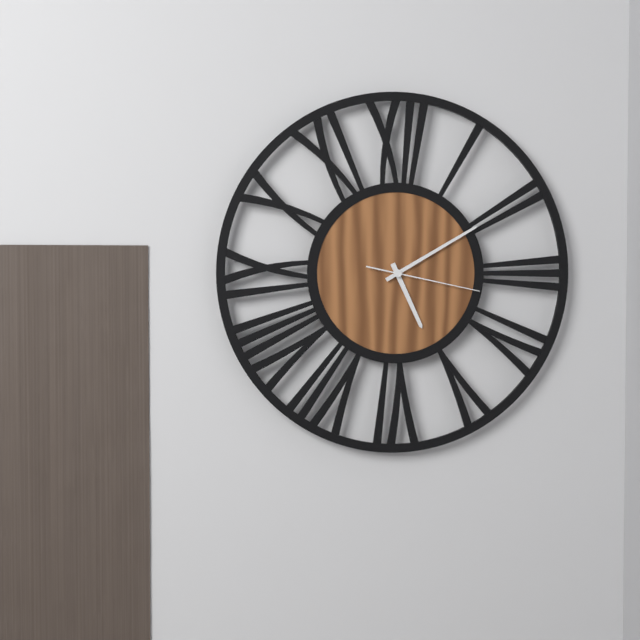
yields h=5 m=10 s=17
